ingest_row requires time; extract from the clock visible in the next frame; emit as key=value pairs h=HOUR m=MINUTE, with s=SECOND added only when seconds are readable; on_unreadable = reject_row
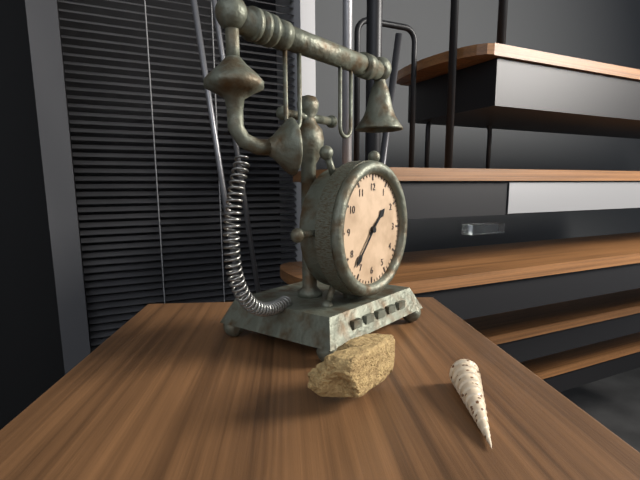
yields h=1 m=37
